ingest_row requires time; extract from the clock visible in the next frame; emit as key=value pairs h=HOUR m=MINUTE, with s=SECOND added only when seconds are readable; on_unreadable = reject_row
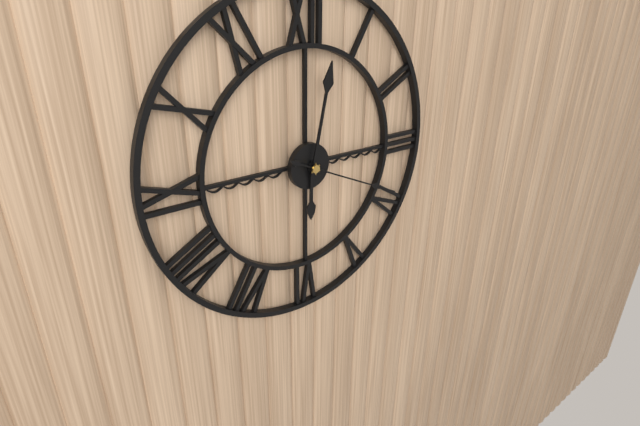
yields h=6 m=2 s=19
